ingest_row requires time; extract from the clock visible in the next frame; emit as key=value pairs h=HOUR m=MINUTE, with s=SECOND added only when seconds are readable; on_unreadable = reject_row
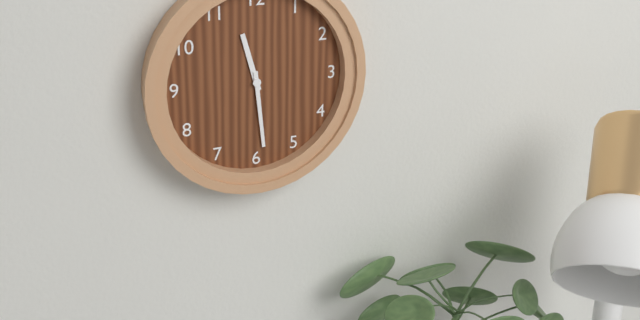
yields h=11 m=29
